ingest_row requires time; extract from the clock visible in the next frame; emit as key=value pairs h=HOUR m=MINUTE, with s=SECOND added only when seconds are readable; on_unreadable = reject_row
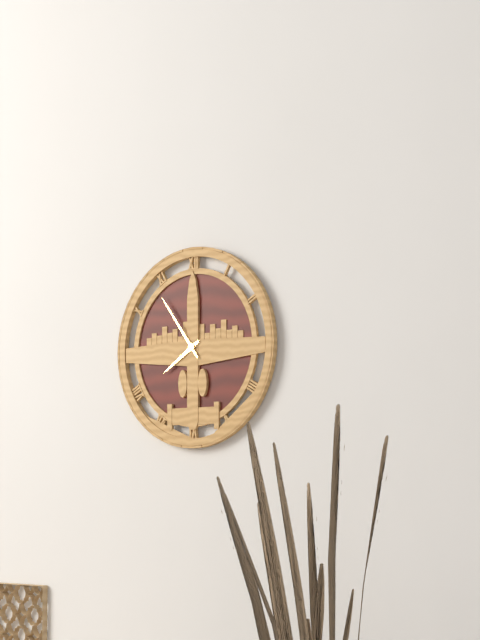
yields h=7 m=54
